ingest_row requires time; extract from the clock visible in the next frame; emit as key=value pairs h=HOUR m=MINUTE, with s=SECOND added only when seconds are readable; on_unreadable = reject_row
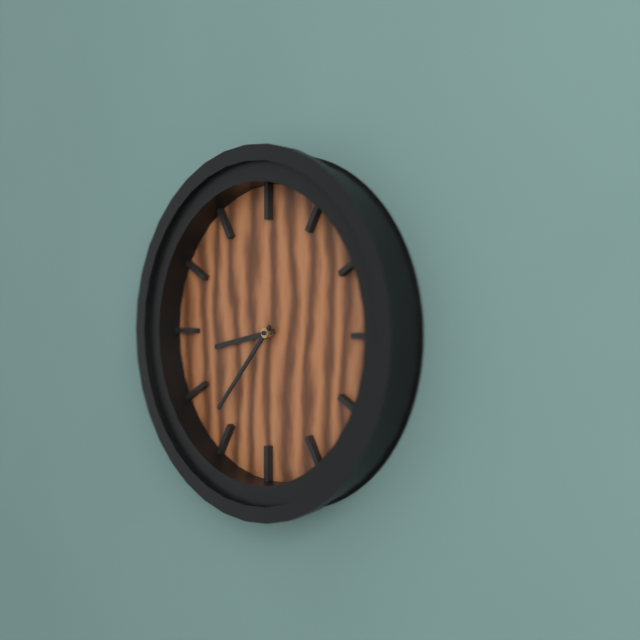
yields h=8 m=37
